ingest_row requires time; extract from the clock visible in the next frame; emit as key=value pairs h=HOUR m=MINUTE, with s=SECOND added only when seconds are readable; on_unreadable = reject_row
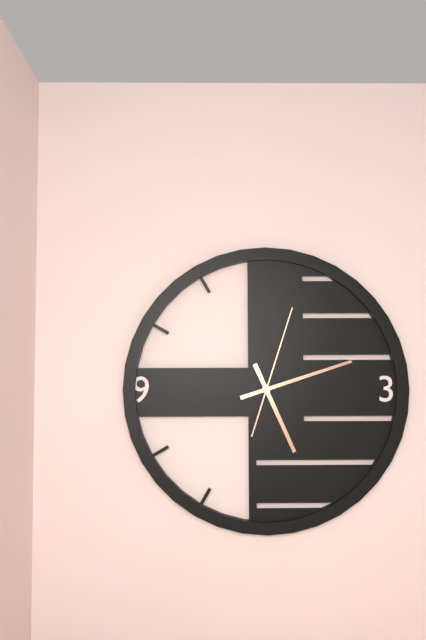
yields h=5 m=12 s=3
